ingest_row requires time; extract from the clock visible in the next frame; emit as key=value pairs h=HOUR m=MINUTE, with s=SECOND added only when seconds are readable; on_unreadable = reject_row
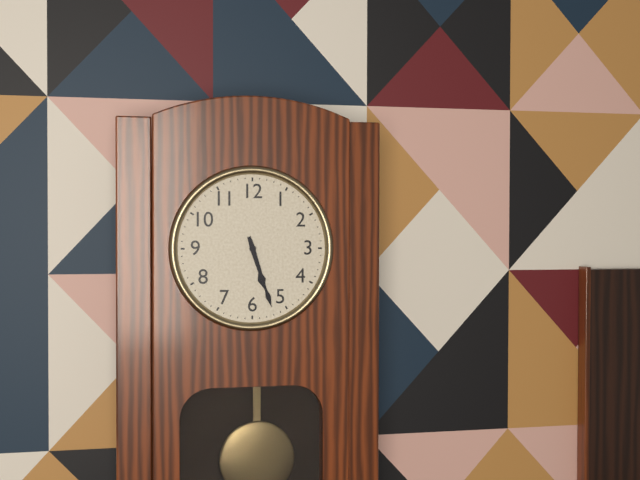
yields h=5 m=27
